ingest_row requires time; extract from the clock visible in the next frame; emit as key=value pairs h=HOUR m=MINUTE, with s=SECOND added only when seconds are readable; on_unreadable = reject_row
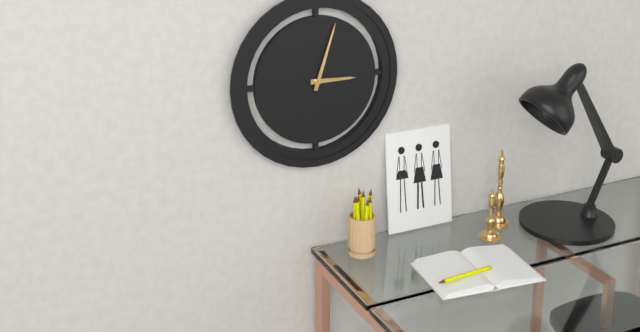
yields h=3 m=3
